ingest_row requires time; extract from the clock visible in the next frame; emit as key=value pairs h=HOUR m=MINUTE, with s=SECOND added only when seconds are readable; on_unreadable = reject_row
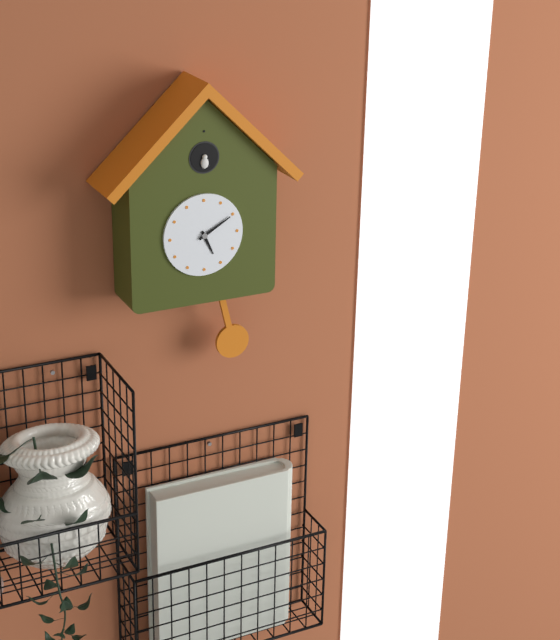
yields h=5 m=10
